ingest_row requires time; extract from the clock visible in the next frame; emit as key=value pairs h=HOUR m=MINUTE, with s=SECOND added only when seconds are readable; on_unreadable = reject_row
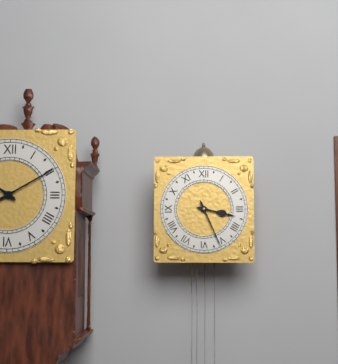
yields h=3 m=26
